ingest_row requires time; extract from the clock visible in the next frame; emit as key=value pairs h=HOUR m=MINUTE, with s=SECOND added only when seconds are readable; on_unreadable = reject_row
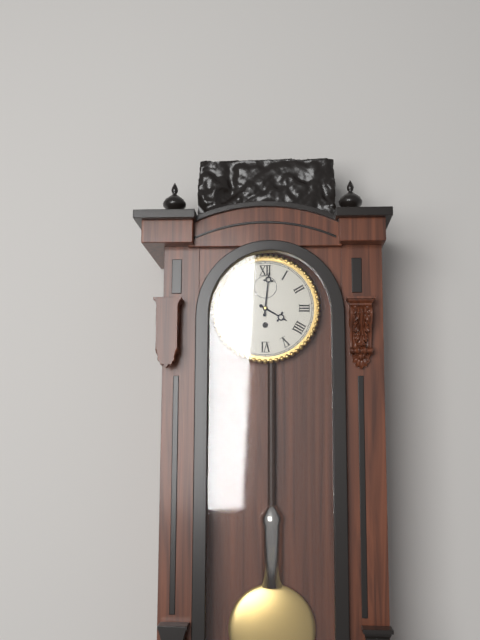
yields h=4 m=1
